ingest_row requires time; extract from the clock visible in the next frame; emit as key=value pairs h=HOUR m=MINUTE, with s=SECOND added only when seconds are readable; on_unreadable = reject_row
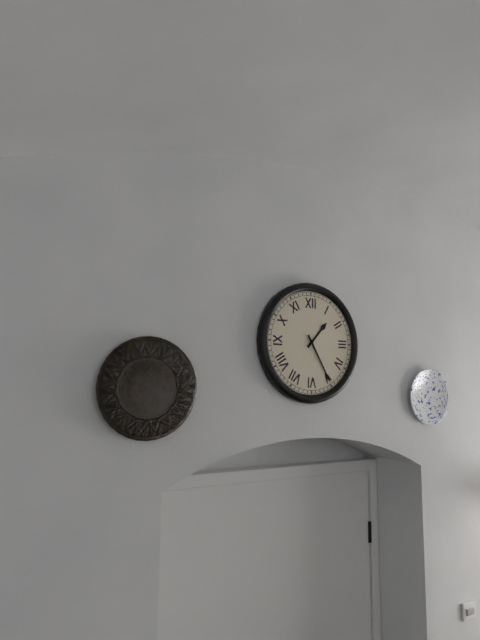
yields h=1 m=25
